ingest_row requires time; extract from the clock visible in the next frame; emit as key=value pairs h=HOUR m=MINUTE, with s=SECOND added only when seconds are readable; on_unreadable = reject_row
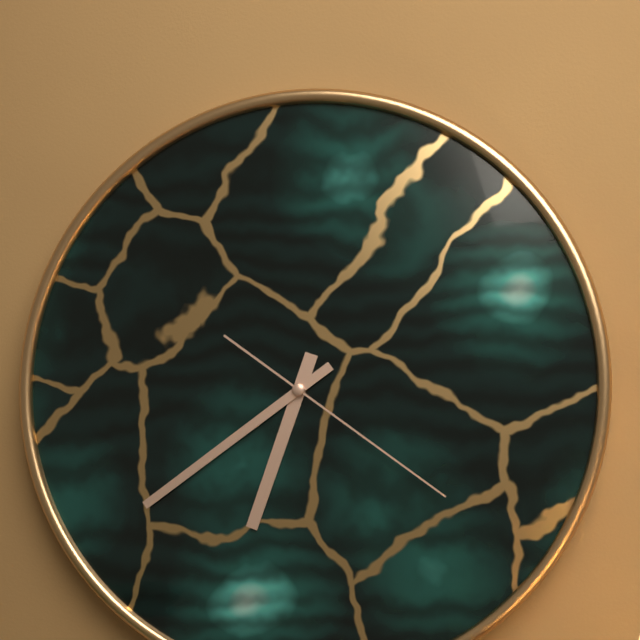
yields h=6 m=39 s=21
